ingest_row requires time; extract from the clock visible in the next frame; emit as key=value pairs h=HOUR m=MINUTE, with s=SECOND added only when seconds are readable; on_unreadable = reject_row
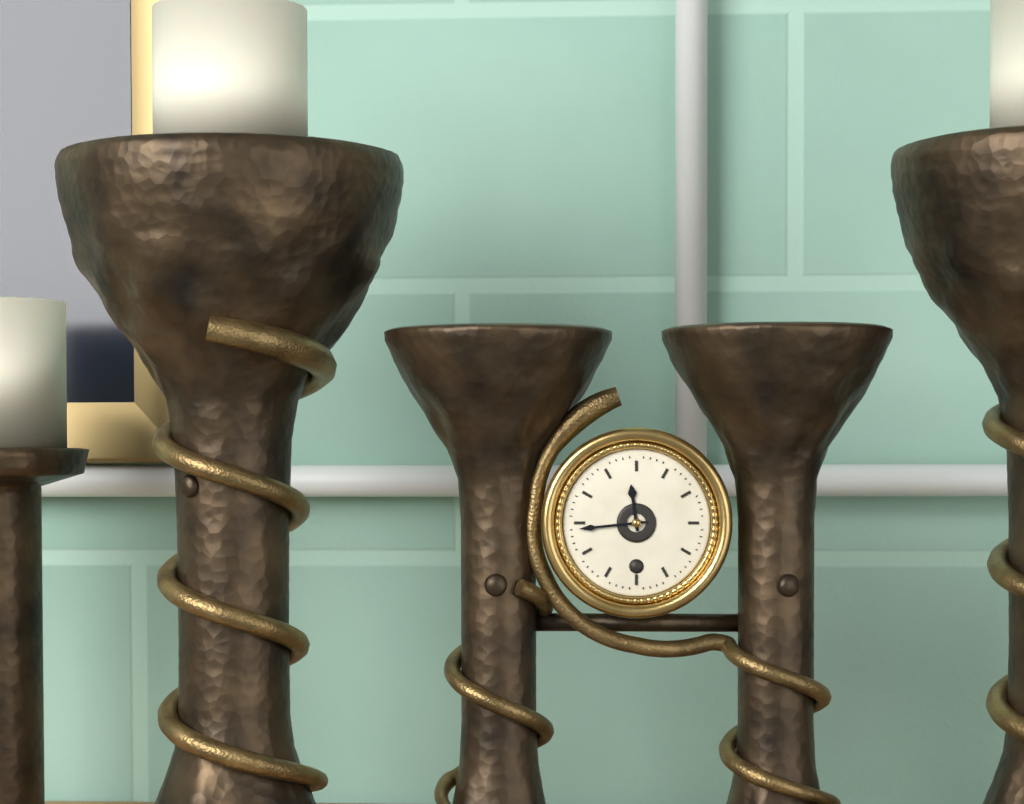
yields h=11 m=44
